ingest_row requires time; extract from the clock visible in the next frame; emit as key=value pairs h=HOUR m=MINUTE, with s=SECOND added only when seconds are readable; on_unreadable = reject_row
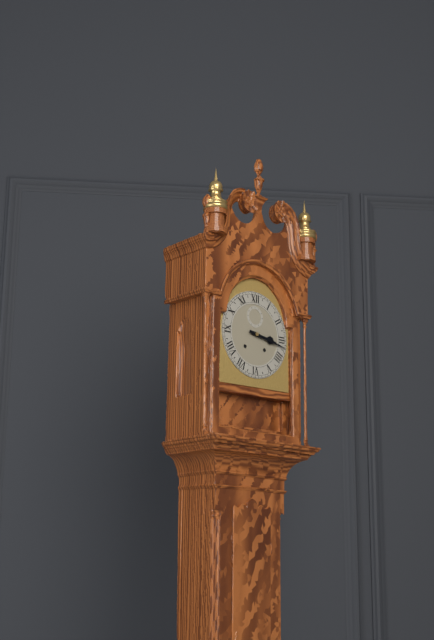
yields h=3 m=17
